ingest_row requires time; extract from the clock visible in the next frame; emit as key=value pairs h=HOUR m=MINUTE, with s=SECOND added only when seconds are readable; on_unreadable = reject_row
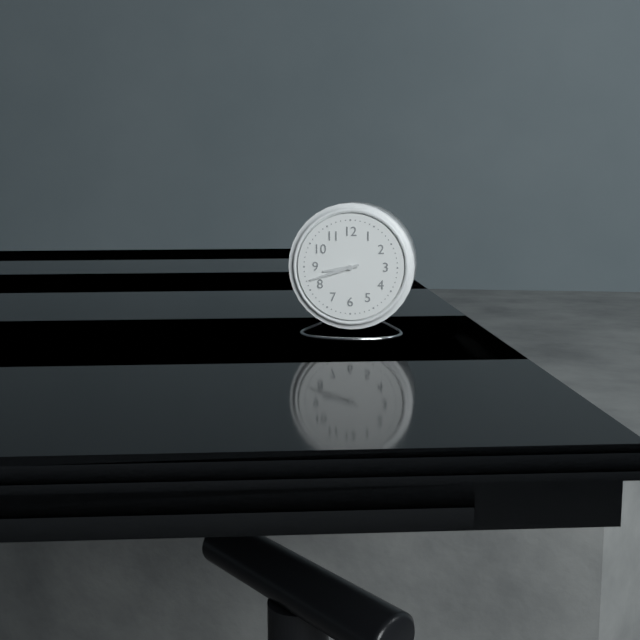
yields h=8 m=42
